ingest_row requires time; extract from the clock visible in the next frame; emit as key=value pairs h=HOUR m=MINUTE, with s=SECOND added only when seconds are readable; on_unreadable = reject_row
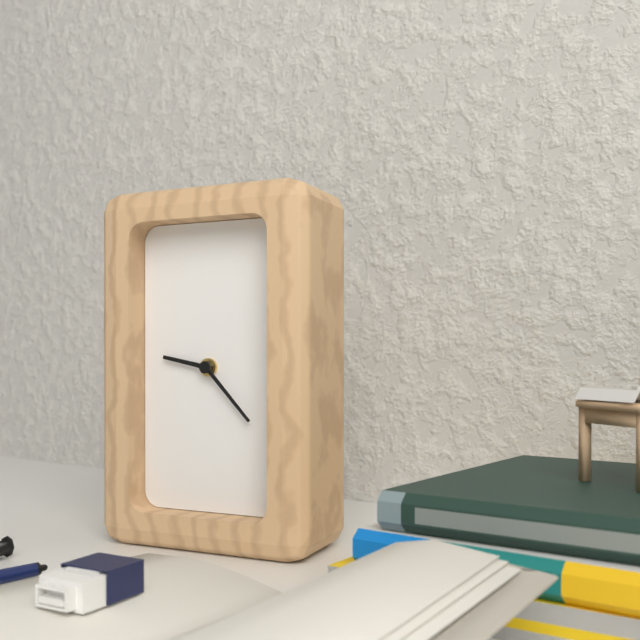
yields h=9 m=23
